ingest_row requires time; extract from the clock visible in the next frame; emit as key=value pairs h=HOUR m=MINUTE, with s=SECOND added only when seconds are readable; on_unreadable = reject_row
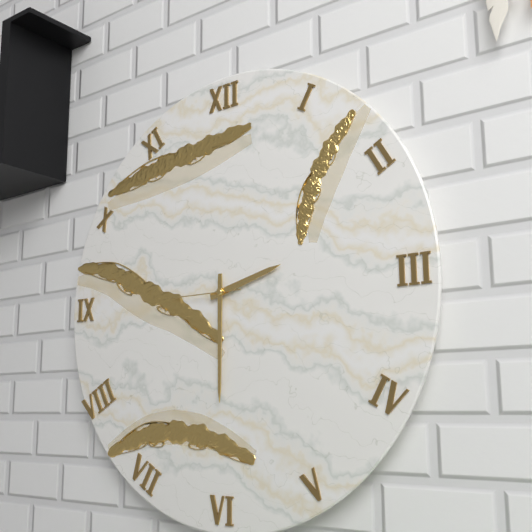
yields h=2 m=30 s=45
